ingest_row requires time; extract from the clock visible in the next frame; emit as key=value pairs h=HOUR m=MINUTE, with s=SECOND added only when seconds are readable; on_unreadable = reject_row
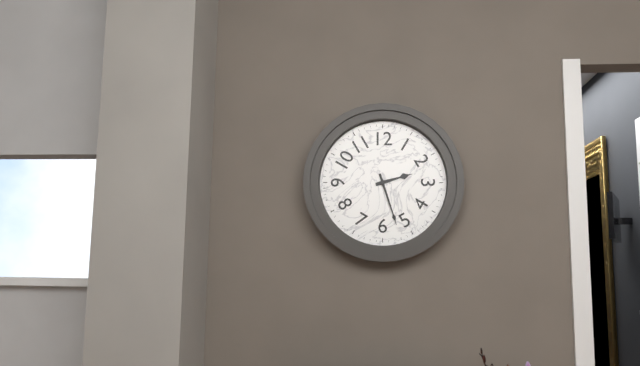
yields h=2 m=27
